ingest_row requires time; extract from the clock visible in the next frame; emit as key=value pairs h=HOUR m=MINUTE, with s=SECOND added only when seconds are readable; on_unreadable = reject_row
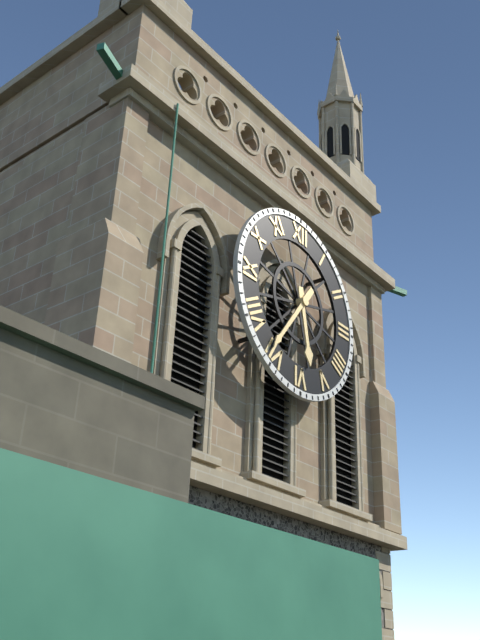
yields h=5 m=36
